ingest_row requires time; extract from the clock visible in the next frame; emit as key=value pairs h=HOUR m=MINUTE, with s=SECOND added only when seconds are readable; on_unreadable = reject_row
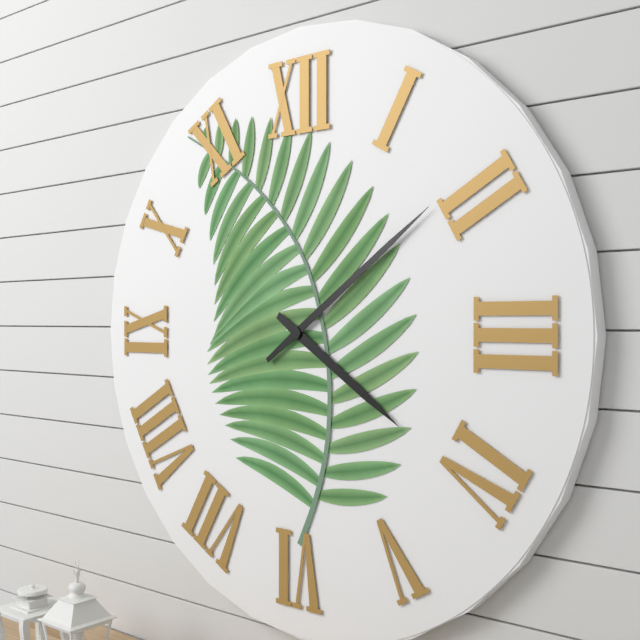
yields h=4 m=9
